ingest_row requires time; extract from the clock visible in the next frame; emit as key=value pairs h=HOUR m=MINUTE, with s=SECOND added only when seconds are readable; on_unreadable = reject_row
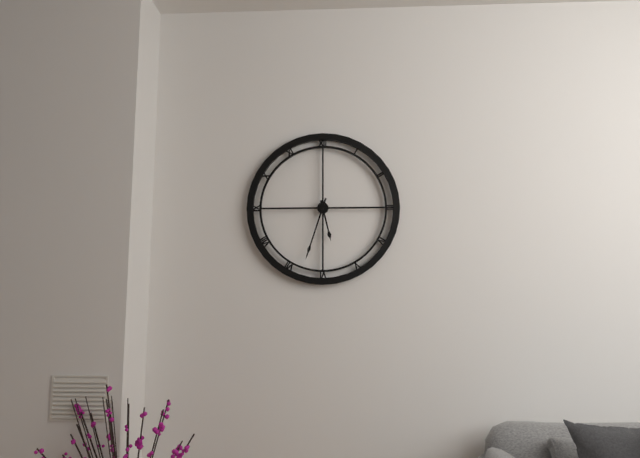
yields h=5 m=33
